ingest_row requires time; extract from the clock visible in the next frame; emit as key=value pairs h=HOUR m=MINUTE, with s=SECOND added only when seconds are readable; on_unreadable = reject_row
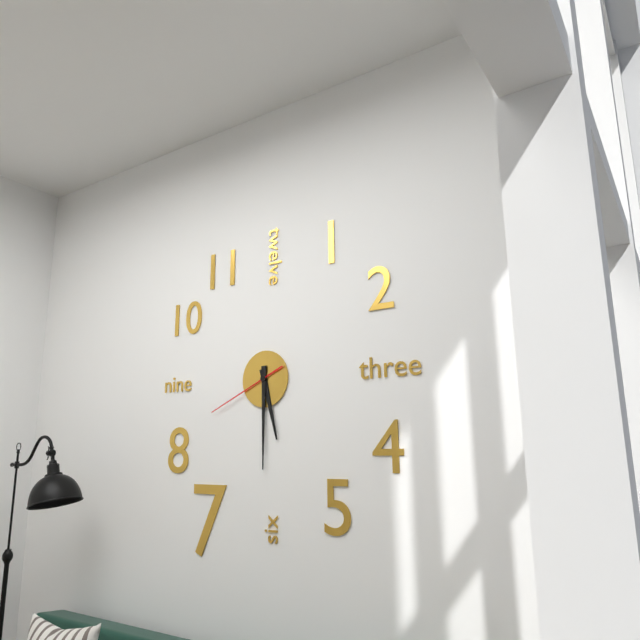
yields h=5 m=30 s=41
